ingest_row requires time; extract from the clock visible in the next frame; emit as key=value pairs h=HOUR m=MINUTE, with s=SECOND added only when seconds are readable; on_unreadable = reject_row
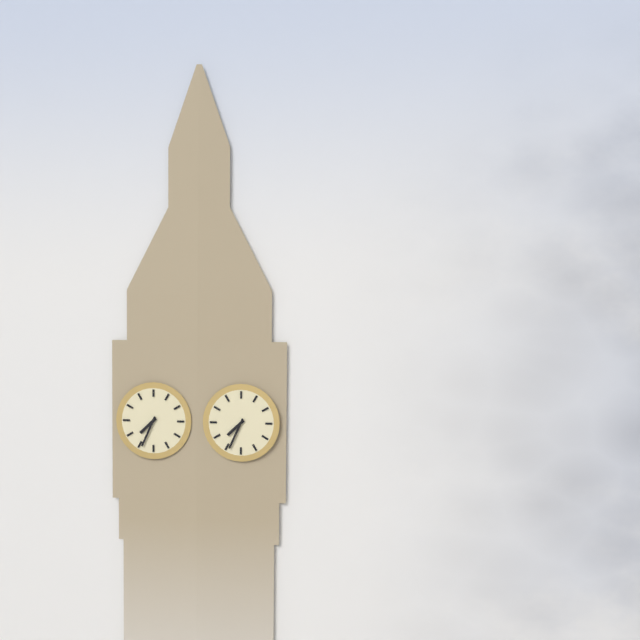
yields h=7 m=34
